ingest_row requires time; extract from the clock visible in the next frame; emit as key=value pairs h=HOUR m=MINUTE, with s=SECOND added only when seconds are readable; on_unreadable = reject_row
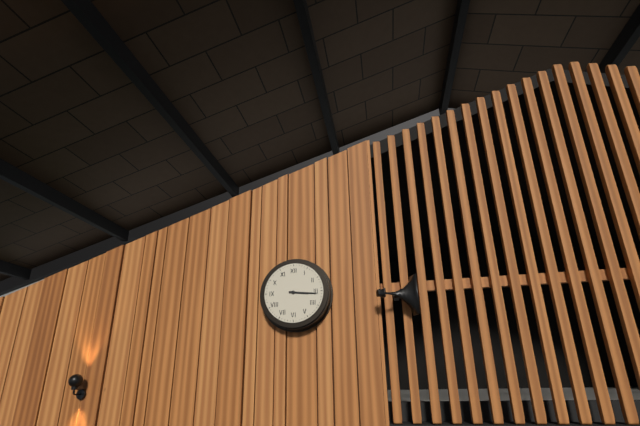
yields h=3 m=16
